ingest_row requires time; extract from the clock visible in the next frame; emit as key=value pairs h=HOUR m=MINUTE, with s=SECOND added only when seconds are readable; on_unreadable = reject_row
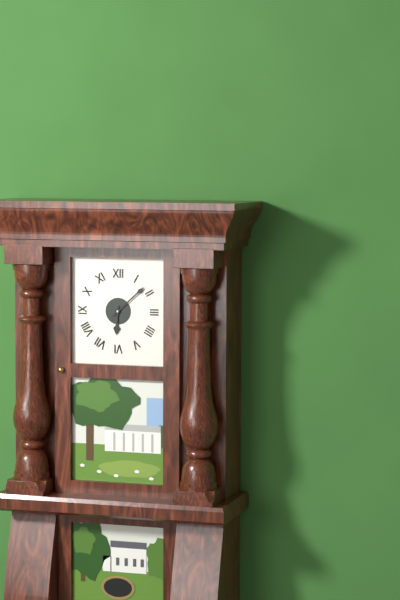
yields h=6 m=8
